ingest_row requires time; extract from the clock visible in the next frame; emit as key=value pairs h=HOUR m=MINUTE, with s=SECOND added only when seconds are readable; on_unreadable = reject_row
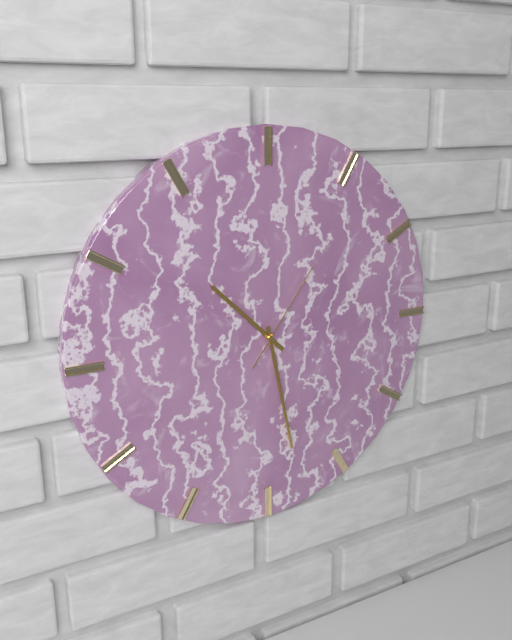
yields h=10 m=28 s=6
